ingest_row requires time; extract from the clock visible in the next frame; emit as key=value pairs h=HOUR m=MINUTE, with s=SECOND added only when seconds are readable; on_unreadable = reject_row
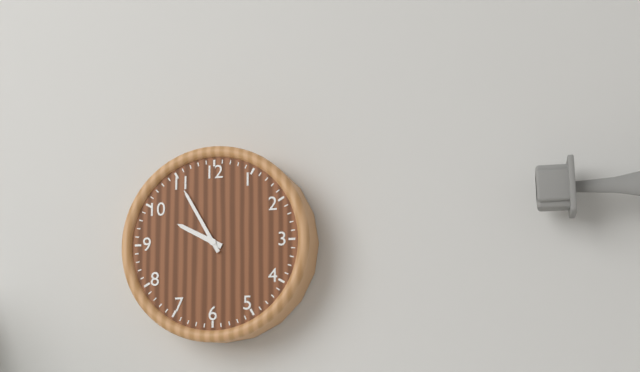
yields h=9 m=55
